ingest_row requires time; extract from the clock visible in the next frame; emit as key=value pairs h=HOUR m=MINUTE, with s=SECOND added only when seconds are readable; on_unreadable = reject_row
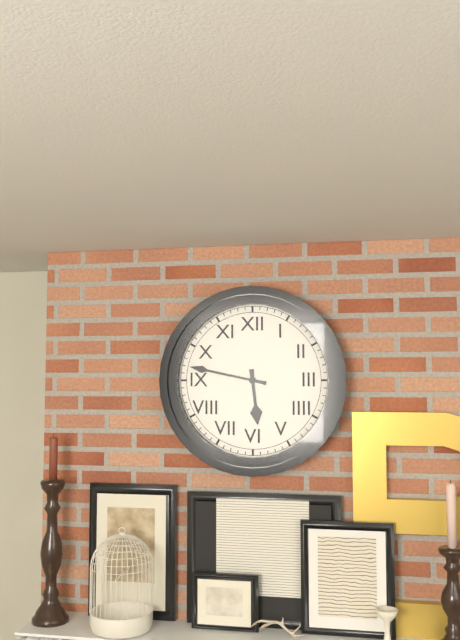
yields h=5 m=47
